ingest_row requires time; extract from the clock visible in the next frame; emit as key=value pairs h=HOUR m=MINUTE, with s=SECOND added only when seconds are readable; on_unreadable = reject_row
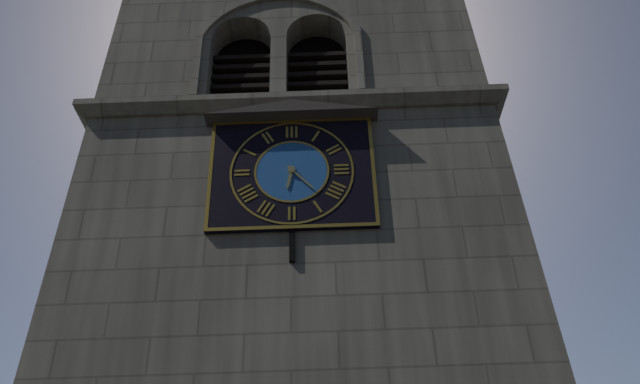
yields h=6 m=23
